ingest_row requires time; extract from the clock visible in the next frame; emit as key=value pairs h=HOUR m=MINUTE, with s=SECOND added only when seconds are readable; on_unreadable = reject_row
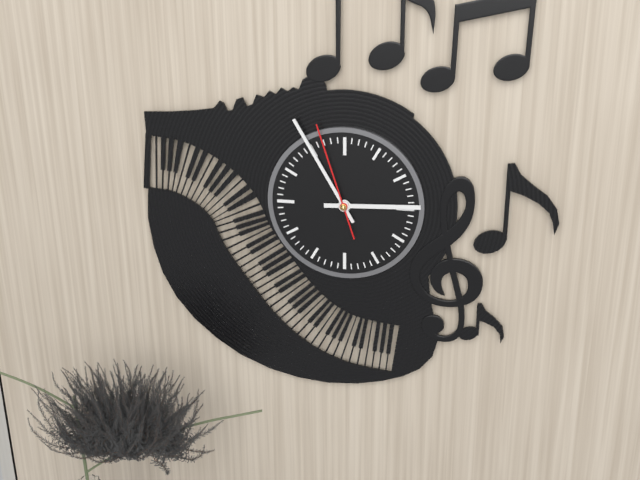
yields h=2 m=55 s=57
